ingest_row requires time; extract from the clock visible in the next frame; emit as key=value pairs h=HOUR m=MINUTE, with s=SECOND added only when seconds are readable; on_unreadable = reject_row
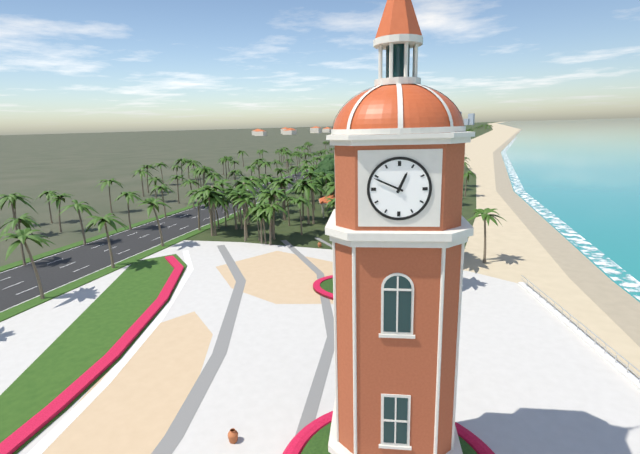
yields h=12 m=49
